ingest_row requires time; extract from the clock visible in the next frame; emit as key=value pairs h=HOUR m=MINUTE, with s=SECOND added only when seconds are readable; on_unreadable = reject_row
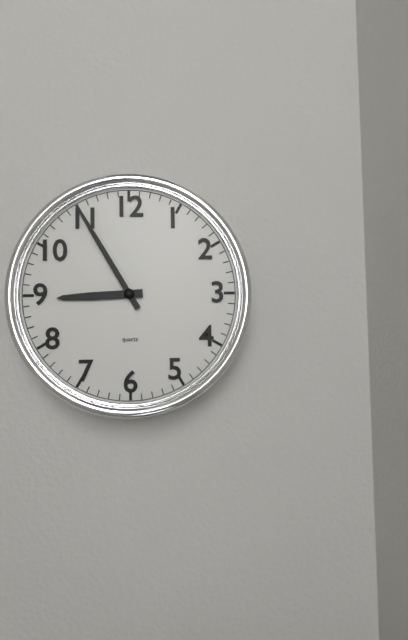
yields h=8 m=55
